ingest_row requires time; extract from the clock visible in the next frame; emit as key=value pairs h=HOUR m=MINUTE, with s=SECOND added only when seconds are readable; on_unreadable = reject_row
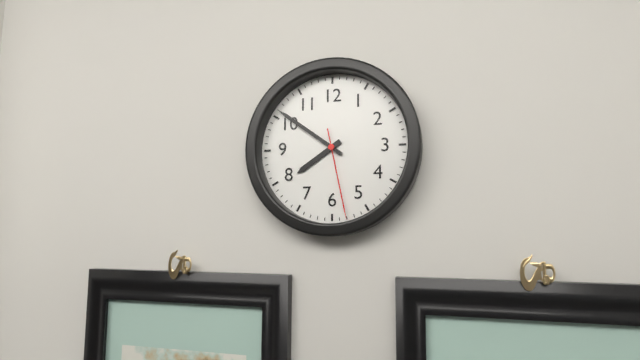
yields h=7 m=51 s=28
